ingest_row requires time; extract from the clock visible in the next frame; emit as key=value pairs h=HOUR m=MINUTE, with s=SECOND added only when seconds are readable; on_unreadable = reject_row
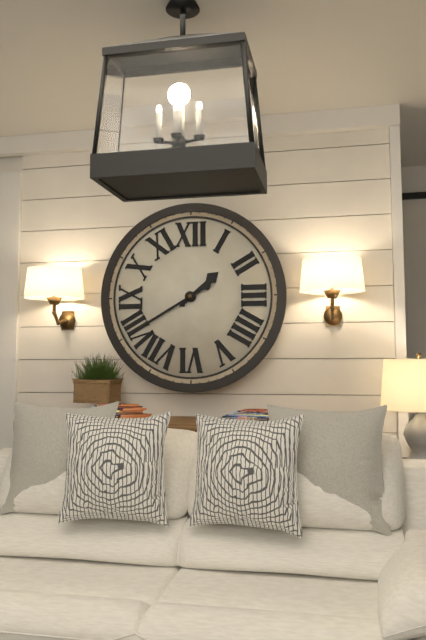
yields h=1 m=40
